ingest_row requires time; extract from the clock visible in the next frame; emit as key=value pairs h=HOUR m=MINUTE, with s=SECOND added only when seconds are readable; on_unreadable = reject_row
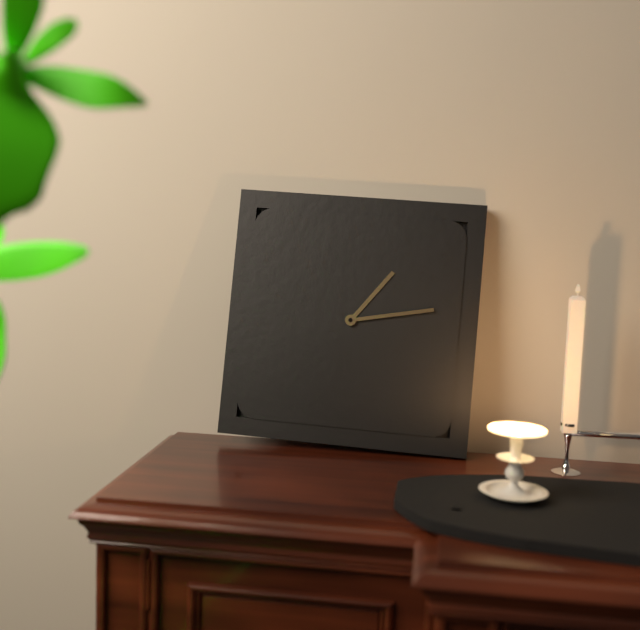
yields h=1 m=13
